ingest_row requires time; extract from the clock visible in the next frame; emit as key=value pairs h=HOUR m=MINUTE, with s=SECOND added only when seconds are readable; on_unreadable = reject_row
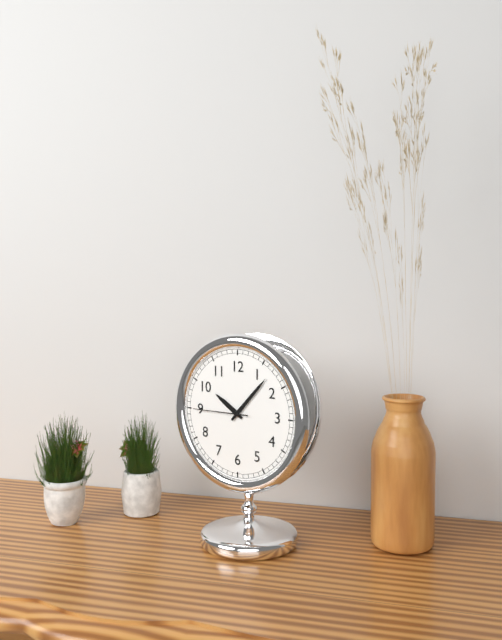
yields h=10 m=7 s=45
